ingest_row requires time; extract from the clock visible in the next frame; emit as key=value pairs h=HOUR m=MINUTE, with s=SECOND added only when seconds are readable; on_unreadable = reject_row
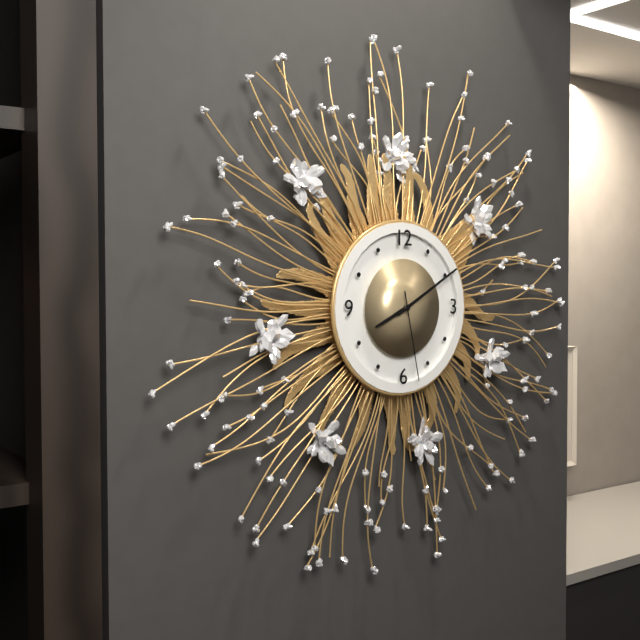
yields h=8 m=10 s=28
